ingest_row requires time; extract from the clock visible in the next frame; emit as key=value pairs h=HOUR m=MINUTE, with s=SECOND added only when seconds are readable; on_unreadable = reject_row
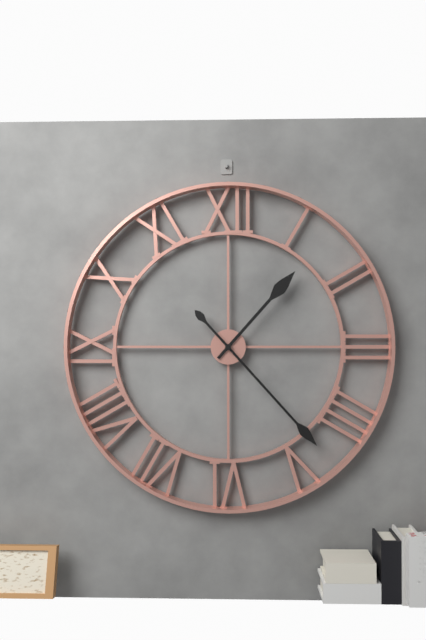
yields h=1 m=23
